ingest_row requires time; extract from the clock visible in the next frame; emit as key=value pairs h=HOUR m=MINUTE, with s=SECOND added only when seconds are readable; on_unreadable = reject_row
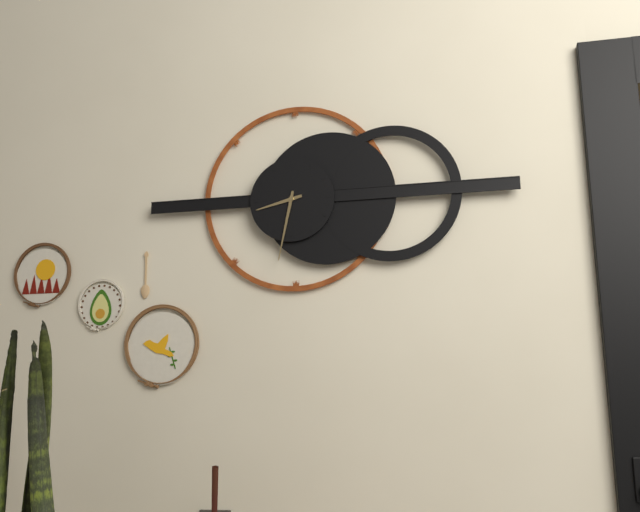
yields h=8 m=32
